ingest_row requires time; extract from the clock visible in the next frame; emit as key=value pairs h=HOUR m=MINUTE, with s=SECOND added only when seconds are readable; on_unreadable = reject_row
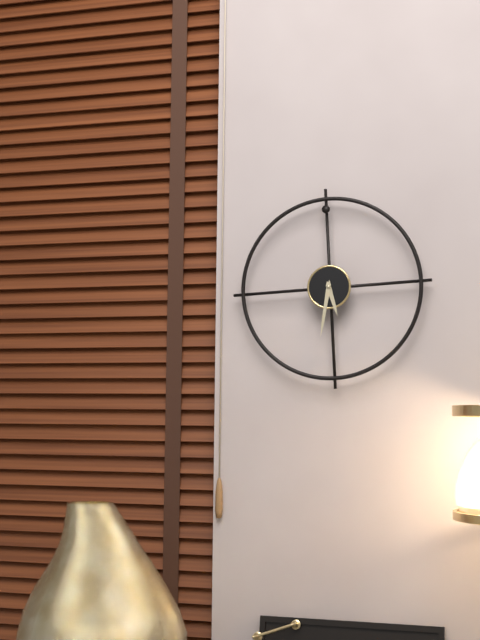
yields h=5 m=32
